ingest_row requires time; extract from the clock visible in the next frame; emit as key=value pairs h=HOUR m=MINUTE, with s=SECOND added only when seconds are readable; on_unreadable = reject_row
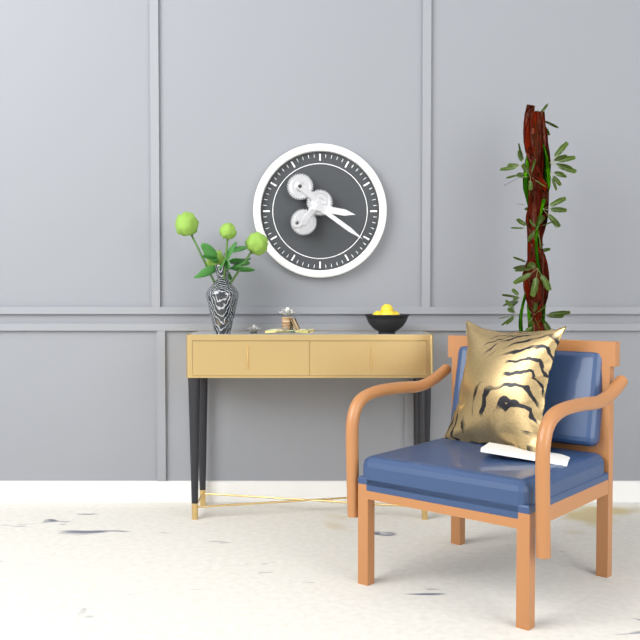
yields h=3 m=21
